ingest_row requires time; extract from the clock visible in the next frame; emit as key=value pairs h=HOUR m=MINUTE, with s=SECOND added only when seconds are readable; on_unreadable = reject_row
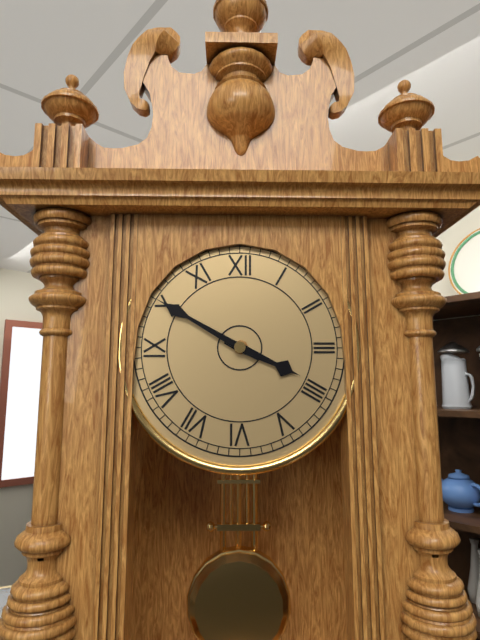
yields h=3 m=50
